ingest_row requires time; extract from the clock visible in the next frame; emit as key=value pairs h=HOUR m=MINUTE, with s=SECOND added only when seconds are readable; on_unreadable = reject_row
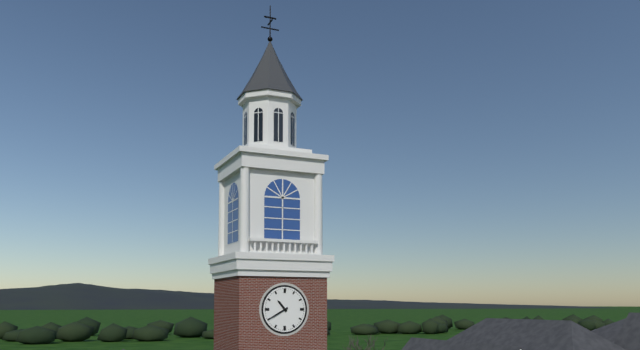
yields h=10 m=40
